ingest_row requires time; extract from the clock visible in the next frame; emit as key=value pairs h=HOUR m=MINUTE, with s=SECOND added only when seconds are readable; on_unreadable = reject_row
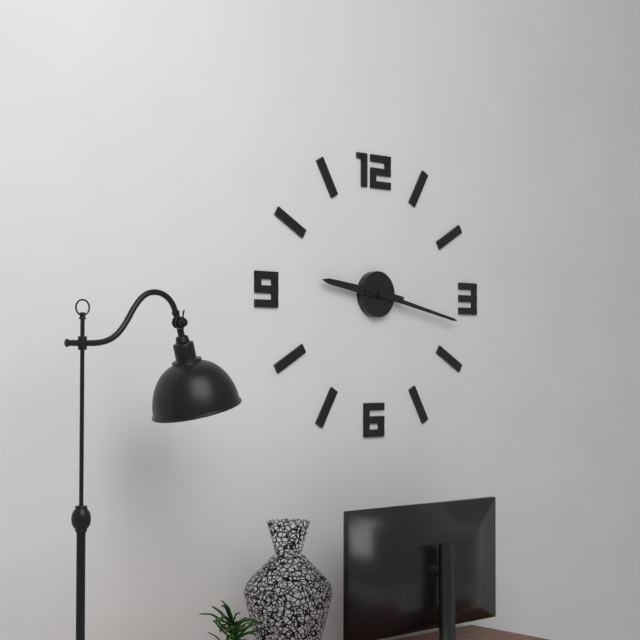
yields h=9 m=17
